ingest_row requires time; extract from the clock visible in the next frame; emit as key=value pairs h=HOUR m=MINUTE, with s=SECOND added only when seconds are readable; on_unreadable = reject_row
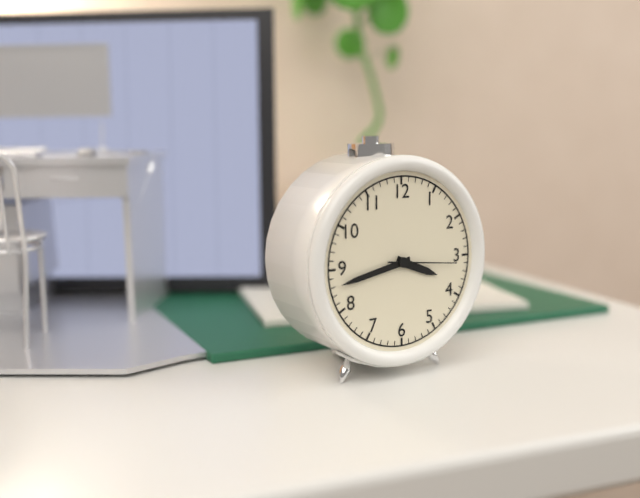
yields h=3 m=43 s=16
